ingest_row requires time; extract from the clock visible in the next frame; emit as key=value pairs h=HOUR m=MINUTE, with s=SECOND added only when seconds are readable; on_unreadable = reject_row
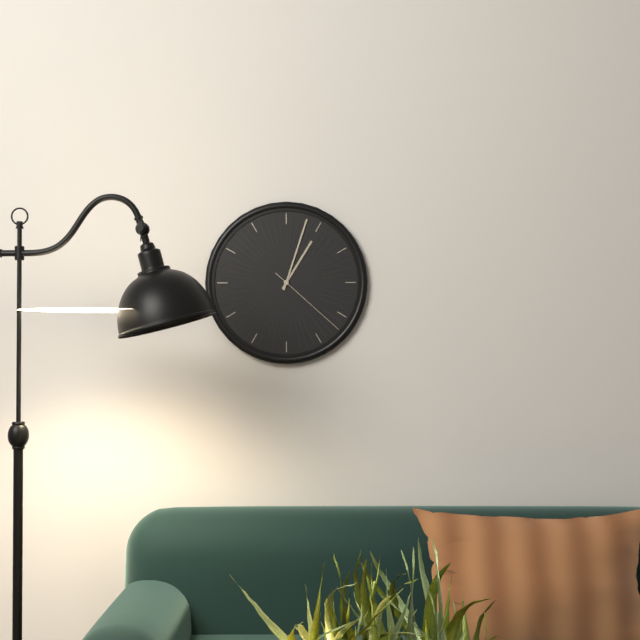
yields h=1 m=3 s=22
